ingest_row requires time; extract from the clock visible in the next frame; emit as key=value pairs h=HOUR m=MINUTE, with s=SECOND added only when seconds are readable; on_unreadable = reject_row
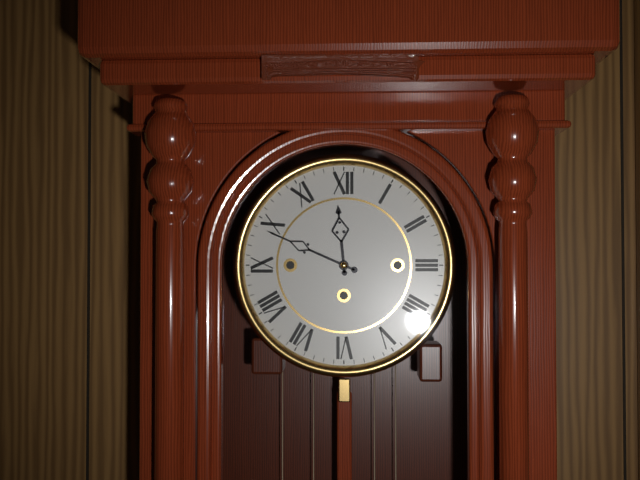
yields h=11 m=49
